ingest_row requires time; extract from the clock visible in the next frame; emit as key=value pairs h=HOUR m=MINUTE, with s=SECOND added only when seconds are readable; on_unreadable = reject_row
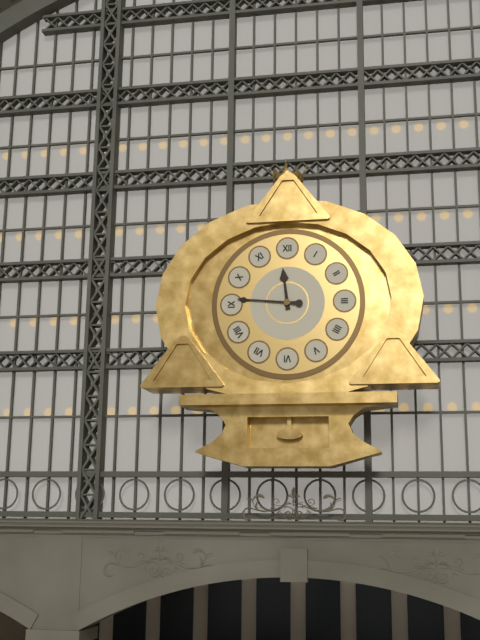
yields h=11 m=46
